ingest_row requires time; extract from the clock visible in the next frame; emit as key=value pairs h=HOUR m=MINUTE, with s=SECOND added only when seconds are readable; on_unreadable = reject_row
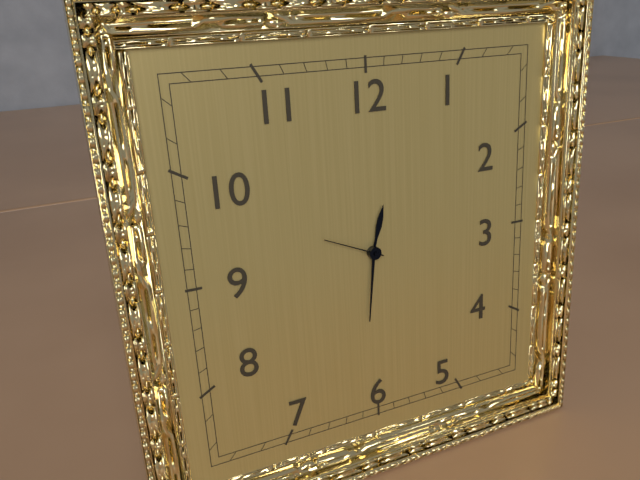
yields h=12 m=31 s=49
